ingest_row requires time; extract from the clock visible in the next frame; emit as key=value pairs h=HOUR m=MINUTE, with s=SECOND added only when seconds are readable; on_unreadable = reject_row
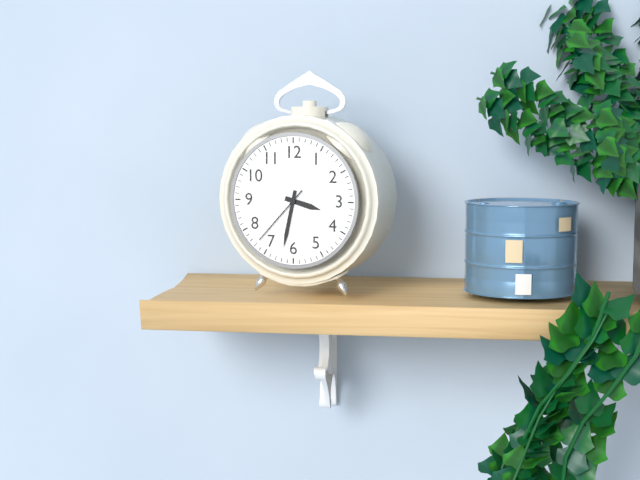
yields h=3 m=32 s=37
